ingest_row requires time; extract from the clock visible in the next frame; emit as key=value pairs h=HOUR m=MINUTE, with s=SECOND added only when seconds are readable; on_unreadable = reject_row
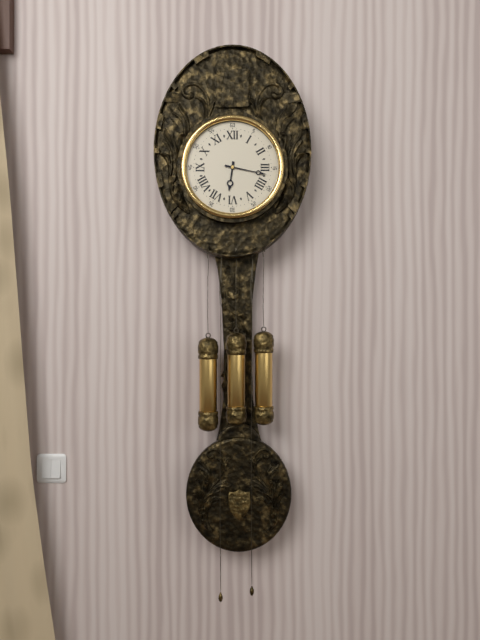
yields h=6 m=17
